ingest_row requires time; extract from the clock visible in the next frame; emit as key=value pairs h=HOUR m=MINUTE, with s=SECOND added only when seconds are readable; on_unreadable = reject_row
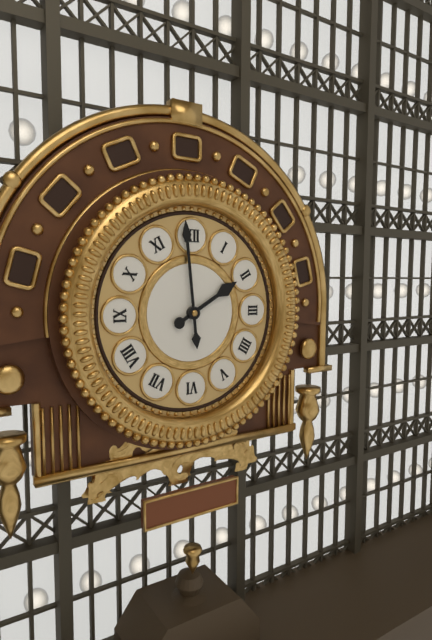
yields h=1 m=59
